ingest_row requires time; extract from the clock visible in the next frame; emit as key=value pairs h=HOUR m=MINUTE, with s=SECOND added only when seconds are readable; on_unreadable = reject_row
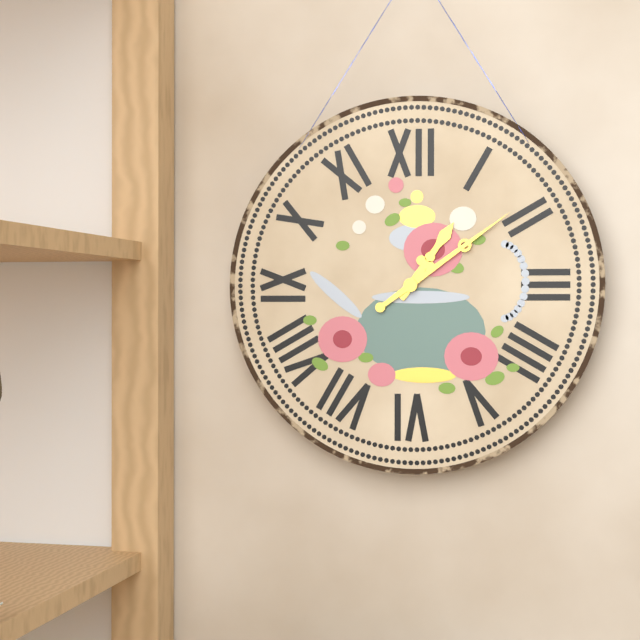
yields h=1 m=9
